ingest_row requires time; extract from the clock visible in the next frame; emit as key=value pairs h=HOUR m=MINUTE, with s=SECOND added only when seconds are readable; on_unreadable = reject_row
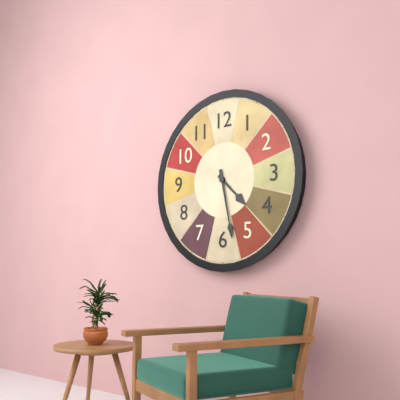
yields h=4 m=28
